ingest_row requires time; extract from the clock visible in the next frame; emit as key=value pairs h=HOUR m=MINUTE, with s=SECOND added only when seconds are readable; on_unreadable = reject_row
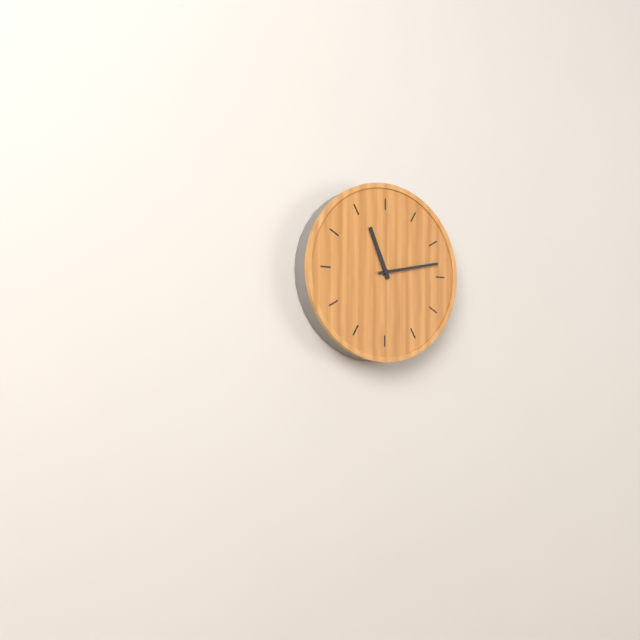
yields h=11 m=13
